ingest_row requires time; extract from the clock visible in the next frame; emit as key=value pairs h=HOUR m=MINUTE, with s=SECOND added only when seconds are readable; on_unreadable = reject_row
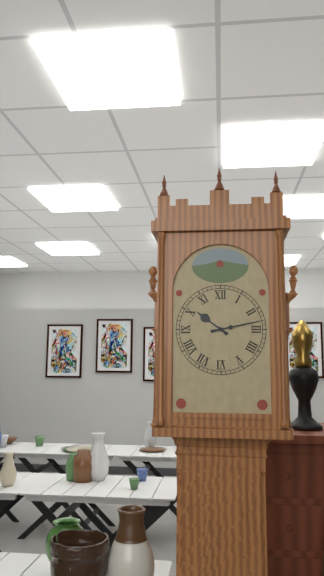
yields h=10 m=13
